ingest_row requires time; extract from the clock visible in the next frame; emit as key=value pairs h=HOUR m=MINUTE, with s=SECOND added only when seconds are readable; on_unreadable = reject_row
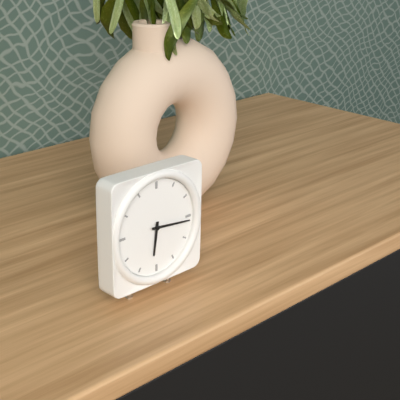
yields h=6 m=16
